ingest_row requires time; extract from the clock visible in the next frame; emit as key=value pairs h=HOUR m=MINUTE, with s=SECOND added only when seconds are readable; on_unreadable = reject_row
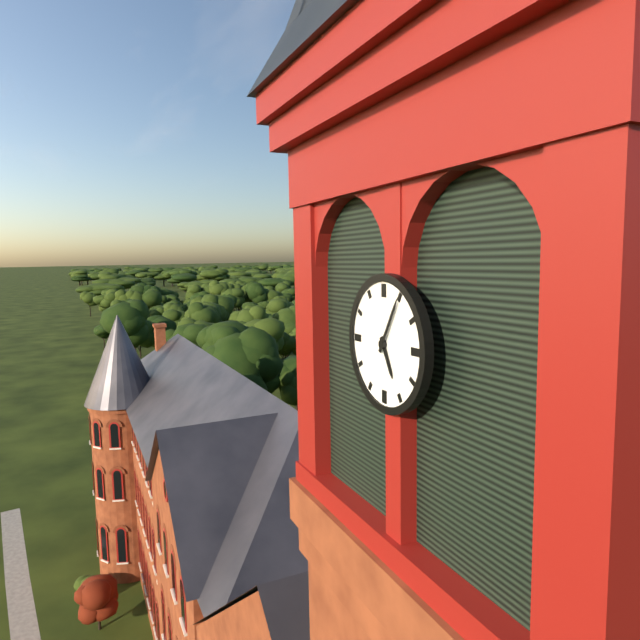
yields h=5 m=5
